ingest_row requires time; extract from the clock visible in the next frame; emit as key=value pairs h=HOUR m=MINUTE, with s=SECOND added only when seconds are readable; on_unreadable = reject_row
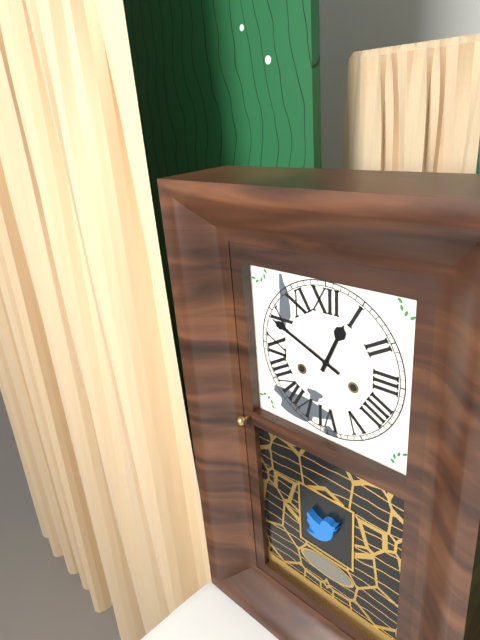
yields h=12 m=49
